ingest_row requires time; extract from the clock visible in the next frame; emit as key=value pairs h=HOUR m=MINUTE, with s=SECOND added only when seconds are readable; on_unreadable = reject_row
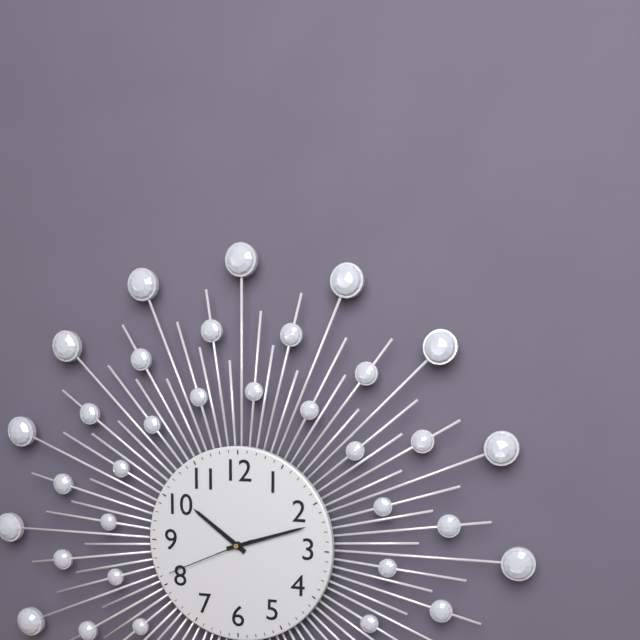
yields h=10 m=12 s=41
